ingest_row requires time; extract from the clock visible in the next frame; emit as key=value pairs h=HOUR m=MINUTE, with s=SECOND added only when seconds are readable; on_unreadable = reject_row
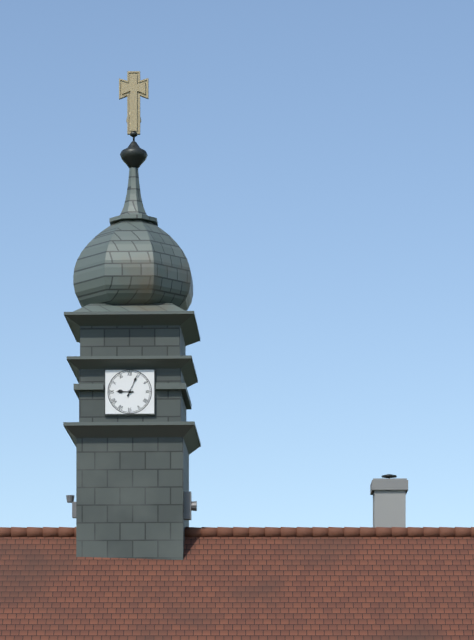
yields h=9 m=4
